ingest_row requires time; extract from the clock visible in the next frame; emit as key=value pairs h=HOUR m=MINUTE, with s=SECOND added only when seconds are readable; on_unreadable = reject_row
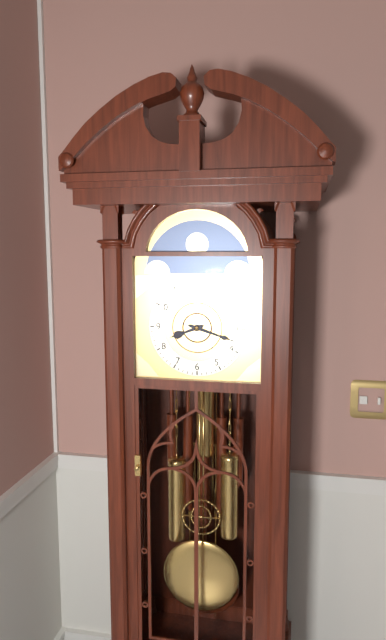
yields h=8 m=18
